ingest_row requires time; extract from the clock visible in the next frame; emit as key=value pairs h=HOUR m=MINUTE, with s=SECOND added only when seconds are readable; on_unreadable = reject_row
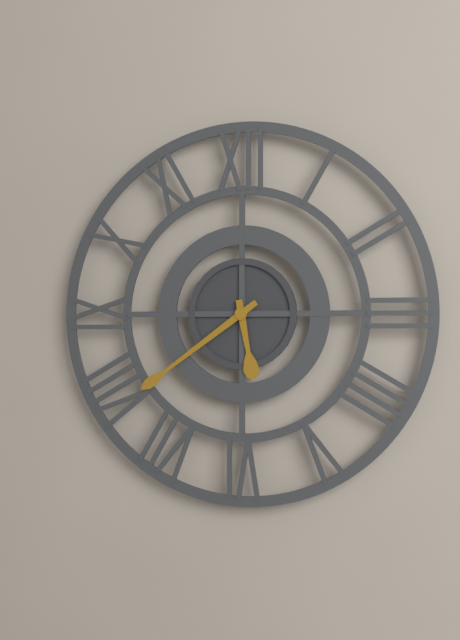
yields h=5 m=39
